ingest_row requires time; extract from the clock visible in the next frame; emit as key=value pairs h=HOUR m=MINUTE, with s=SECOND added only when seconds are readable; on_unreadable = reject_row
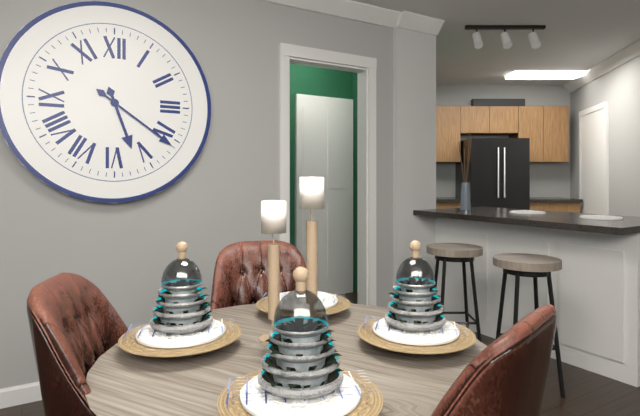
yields h=5 m=21
